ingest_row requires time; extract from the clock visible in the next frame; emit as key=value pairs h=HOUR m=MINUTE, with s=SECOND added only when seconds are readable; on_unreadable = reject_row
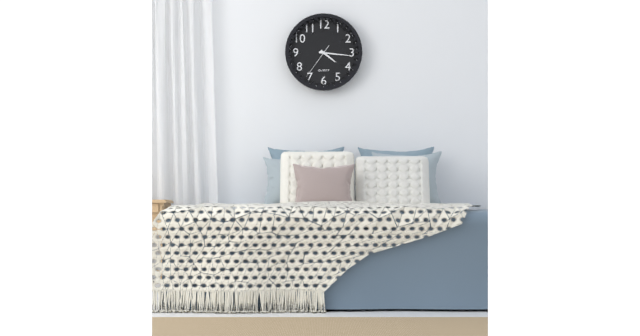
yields h=4 m=16
